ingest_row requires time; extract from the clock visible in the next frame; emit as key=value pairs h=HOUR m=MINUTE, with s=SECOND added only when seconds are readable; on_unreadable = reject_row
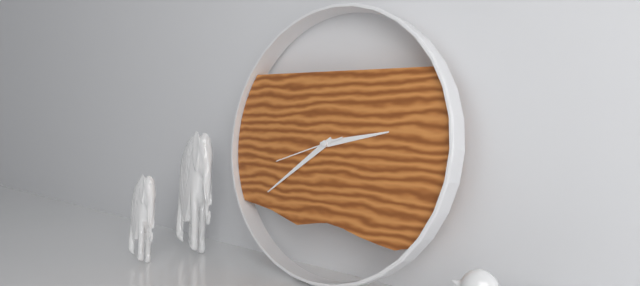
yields h=2 m=39 s=42
